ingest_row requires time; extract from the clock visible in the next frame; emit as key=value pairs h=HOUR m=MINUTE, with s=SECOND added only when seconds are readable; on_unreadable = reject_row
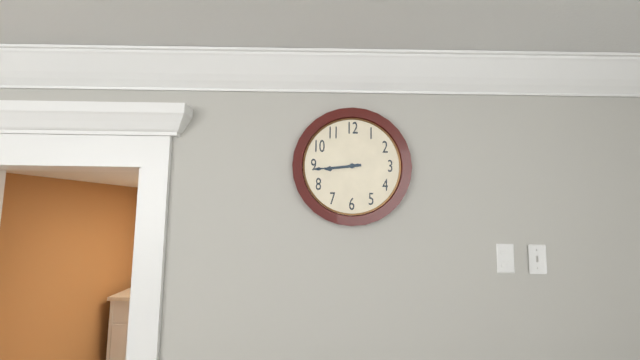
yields h=8 m=44
